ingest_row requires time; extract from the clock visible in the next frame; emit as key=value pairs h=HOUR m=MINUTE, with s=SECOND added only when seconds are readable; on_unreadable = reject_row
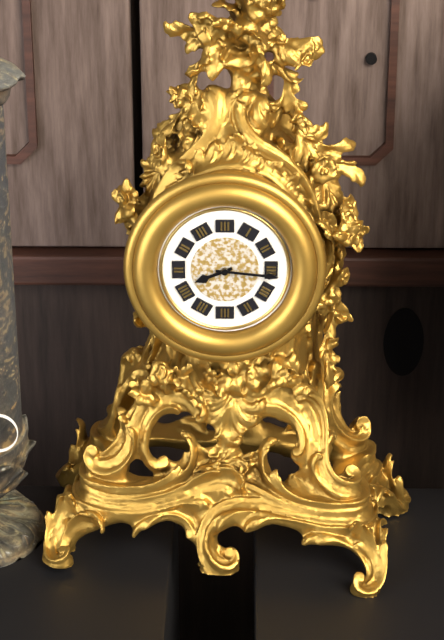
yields h=8 m=16
